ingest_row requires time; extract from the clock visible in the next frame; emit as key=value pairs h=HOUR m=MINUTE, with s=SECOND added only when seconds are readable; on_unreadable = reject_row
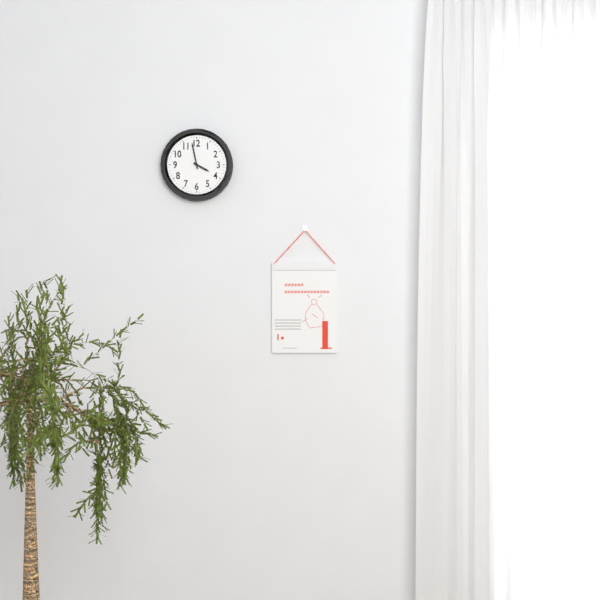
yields h=3 m=58
